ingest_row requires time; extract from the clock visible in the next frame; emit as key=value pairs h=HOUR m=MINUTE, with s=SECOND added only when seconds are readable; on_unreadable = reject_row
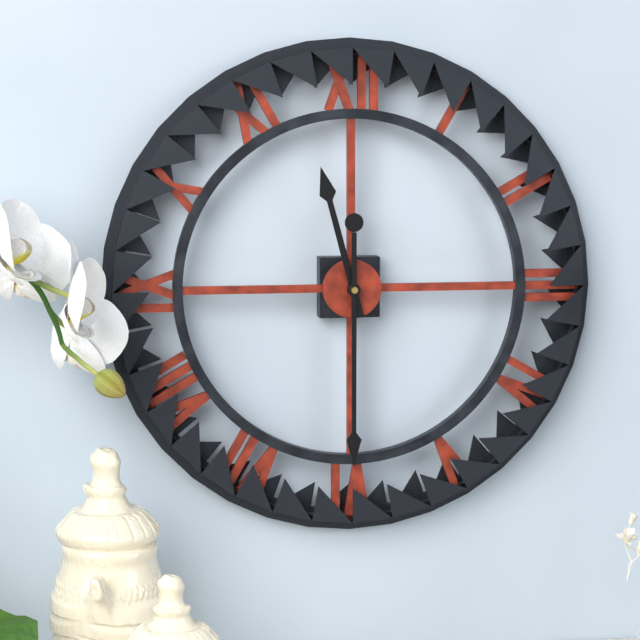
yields h=11 m=30
